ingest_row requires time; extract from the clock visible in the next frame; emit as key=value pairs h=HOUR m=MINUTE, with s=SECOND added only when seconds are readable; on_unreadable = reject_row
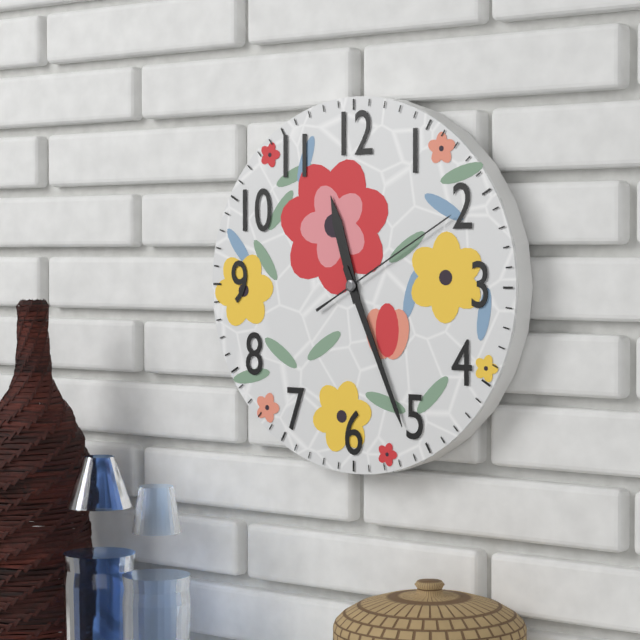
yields h=11 m=26 s=10
